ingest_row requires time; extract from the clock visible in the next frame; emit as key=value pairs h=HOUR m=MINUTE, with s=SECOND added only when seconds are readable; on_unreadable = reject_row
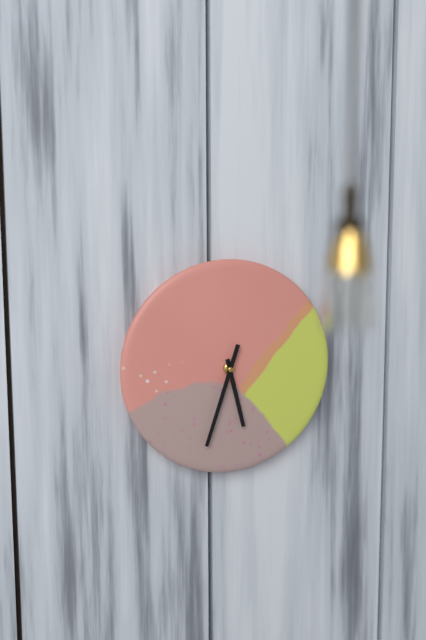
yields h=5 m=33
